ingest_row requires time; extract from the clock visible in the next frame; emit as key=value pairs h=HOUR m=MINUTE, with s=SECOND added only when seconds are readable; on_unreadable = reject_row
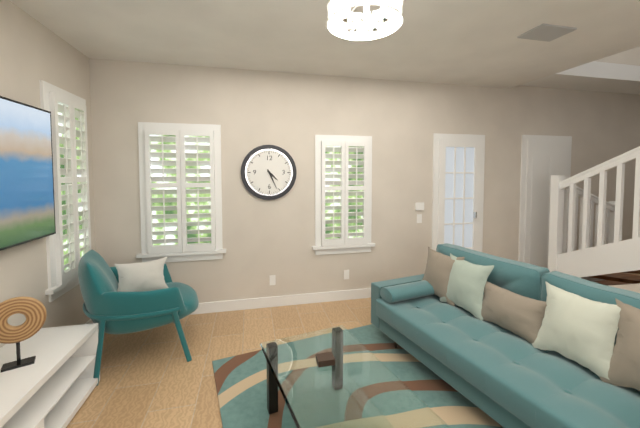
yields h=4 m=26
